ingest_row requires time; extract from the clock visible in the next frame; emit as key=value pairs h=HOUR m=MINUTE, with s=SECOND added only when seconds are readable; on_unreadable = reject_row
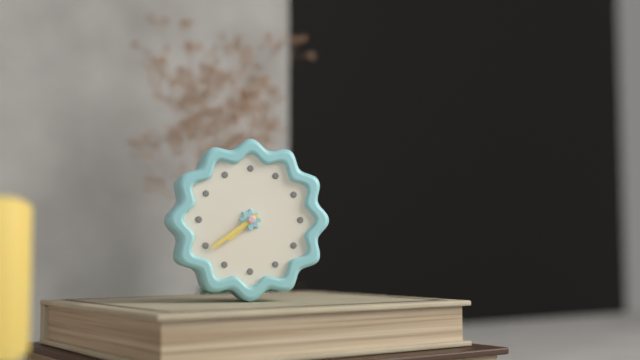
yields h=7 m=39
